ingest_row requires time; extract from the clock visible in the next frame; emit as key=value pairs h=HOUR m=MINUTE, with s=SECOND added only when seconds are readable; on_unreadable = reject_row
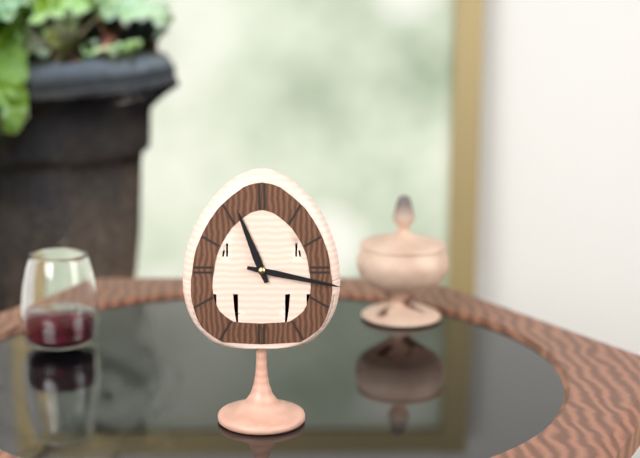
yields h=11 m=17
